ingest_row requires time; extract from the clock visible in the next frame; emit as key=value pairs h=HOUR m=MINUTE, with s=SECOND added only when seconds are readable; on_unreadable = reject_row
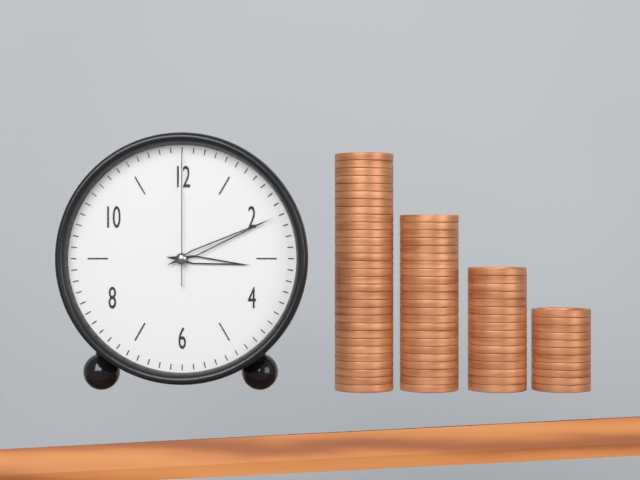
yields h=3 m=11 s=0
